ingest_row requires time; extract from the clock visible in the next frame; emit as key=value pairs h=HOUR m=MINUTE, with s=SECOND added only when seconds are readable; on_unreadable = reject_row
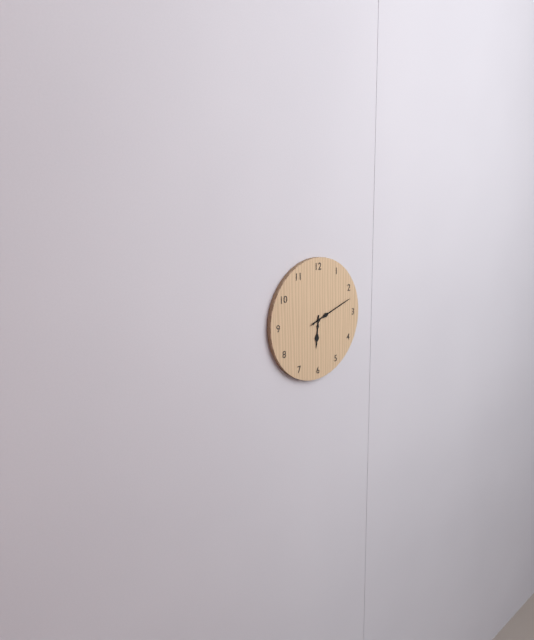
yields h=6 m=12
